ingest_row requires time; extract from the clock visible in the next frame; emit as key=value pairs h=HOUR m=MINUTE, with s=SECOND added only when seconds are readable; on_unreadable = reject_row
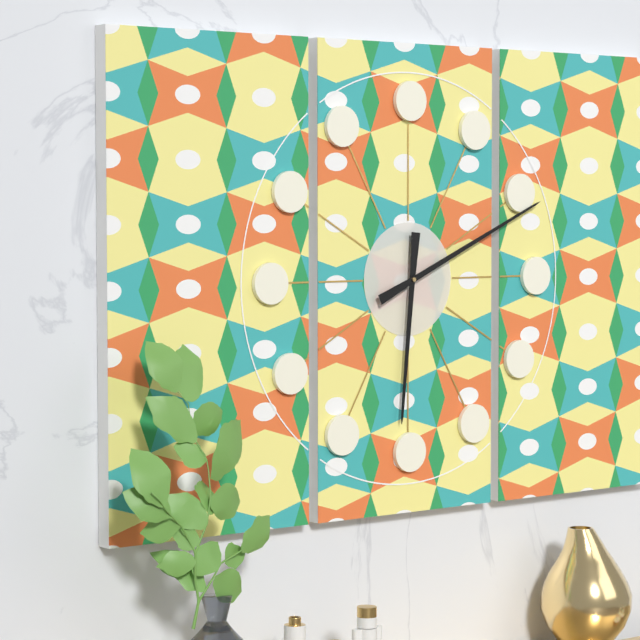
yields h=6 m=11
